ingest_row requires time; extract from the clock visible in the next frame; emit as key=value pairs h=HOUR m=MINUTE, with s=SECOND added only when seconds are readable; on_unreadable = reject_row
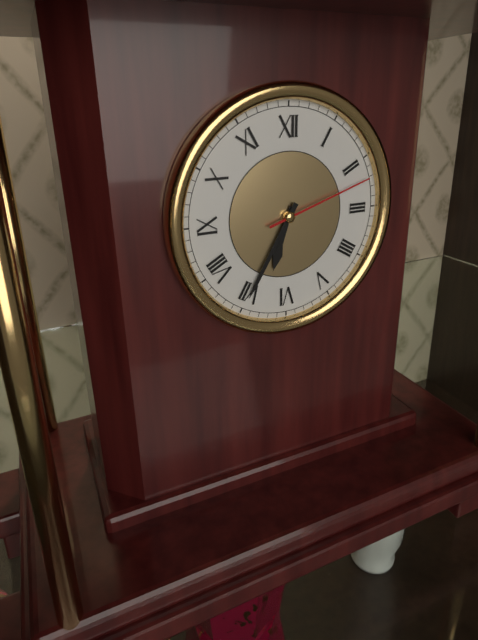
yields h=6 m=35 s=12
